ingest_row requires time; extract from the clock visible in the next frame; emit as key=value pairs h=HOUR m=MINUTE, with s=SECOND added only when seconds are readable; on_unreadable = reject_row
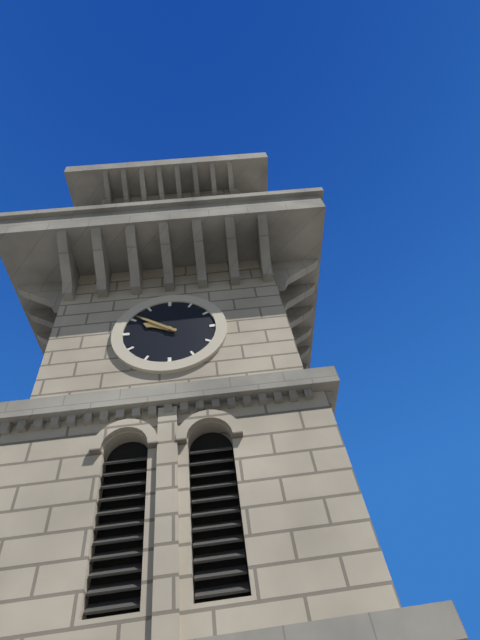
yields h=9 m=51
